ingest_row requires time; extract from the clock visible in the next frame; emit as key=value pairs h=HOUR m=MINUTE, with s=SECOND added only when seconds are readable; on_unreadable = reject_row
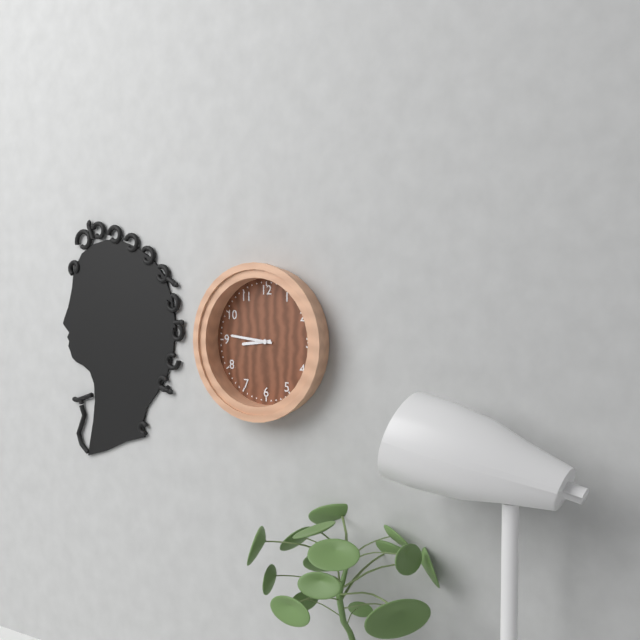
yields h=8 m=46
